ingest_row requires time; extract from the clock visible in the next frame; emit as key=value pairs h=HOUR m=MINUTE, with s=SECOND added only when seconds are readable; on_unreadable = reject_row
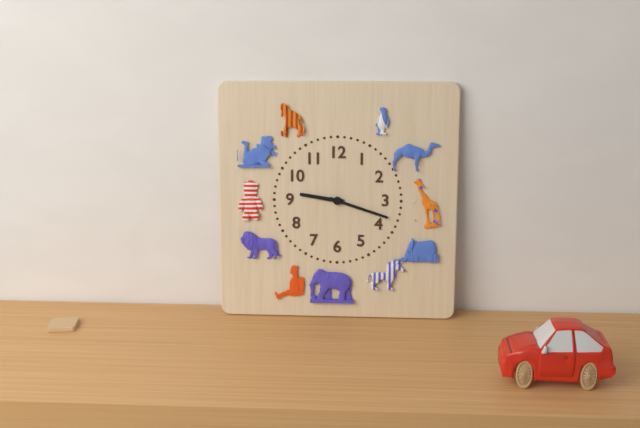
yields h=9 m=18
